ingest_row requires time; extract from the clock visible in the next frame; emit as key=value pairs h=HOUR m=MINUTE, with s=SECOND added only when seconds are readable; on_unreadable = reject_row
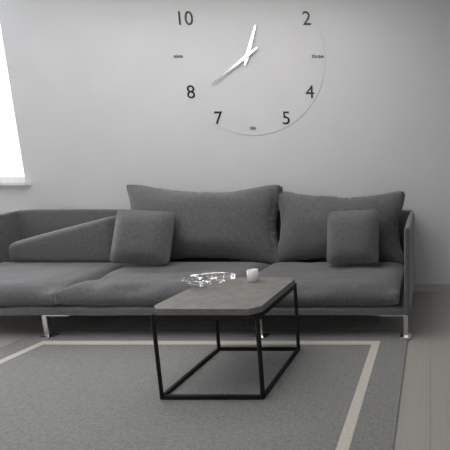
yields h=12 m=39
